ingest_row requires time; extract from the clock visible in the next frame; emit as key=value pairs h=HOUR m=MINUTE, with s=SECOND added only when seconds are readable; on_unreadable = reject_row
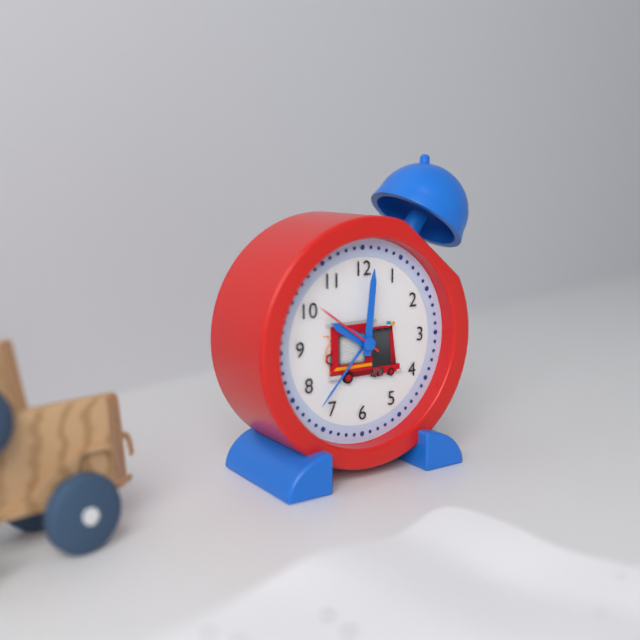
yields h=10 m=1 s=51
